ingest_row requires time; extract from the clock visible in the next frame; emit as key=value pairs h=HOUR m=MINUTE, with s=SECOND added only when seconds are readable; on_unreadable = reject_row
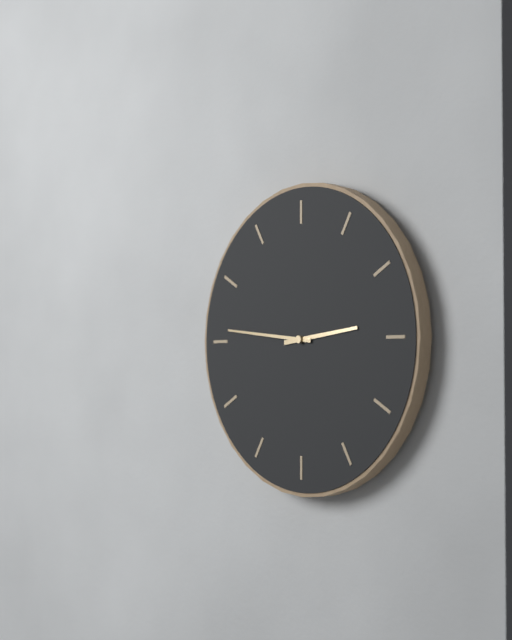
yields h=2 m=46
